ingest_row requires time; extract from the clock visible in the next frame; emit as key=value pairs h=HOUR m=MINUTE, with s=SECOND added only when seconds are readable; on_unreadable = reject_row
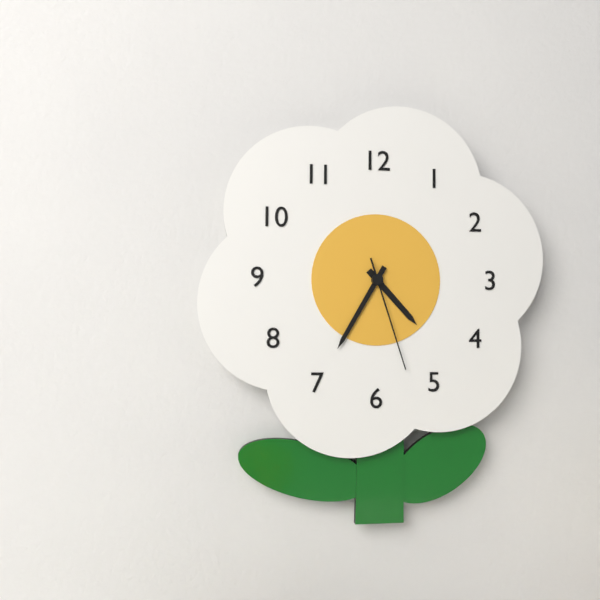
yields h=4 m=35 s=27
